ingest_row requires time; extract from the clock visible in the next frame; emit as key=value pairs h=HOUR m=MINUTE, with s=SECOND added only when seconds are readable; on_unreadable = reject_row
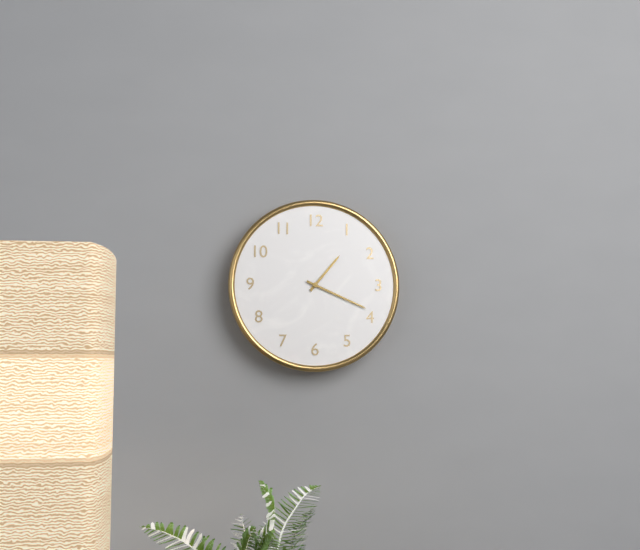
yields h=1 m=19
